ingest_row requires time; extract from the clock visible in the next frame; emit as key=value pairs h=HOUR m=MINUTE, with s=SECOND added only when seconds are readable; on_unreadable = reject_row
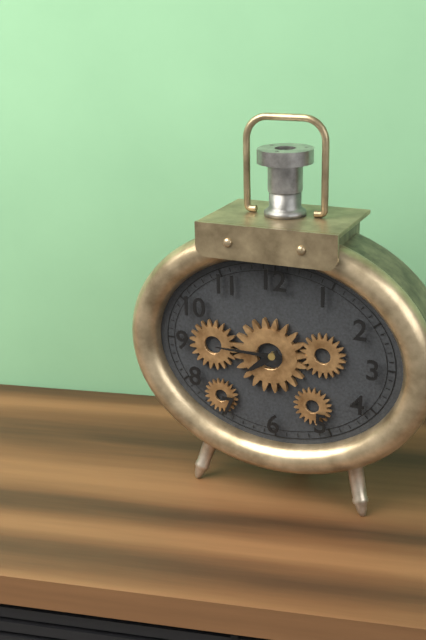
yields h=7 m=45
